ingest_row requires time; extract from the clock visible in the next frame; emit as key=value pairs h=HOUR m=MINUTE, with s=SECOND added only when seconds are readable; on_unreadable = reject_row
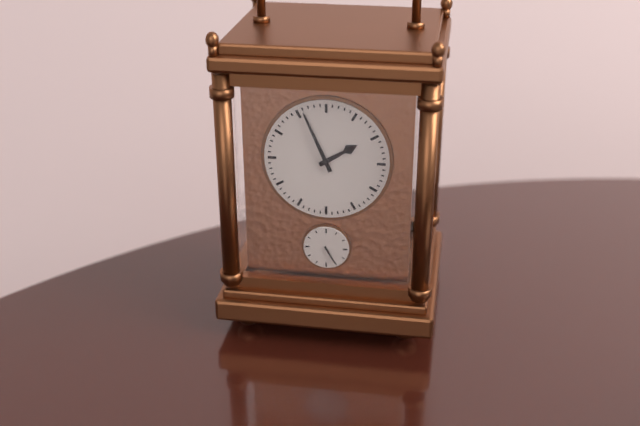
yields h=1 m=56
